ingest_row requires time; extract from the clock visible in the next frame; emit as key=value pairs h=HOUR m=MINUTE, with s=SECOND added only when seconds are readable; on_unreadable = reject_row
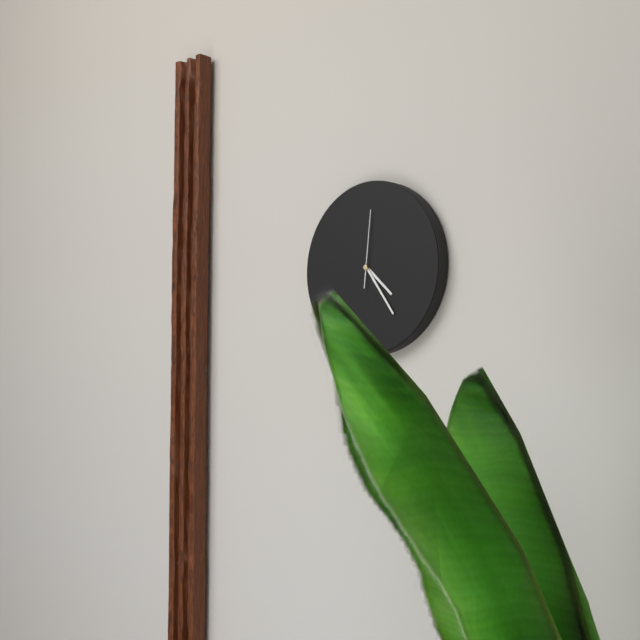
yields h=4 m=24 s=1
